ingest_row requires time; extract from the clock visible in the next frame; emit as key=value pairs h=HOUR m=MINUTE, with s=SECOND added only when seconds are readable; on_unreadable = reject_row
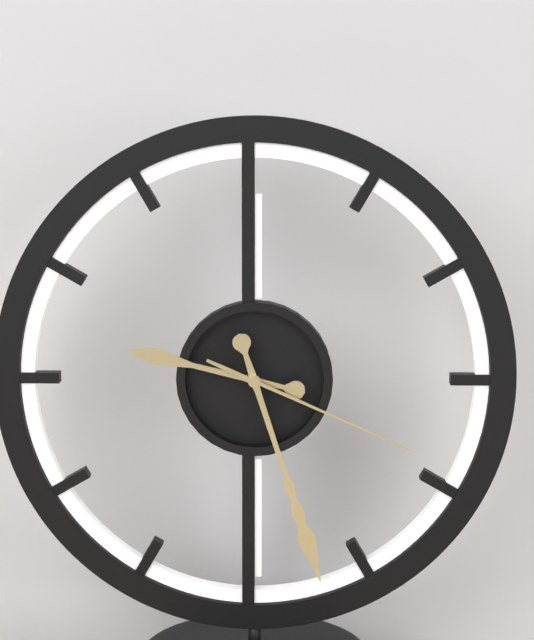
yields h=9 m=27 s=19
